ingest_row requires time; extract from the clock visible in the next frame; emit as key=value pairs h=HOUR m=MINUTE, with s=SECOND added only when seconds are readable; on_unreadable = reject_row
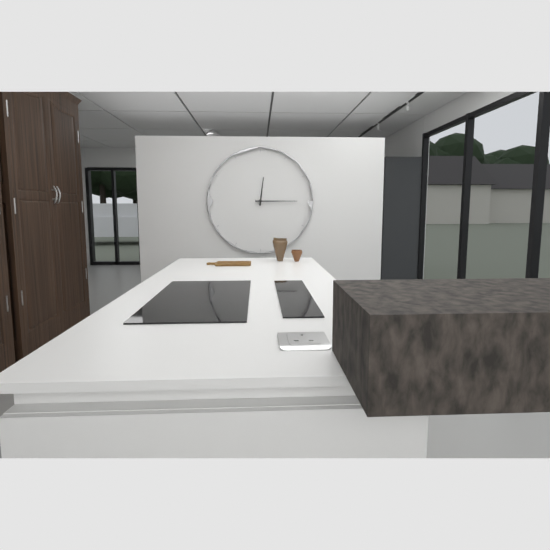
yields h=12 m=15
